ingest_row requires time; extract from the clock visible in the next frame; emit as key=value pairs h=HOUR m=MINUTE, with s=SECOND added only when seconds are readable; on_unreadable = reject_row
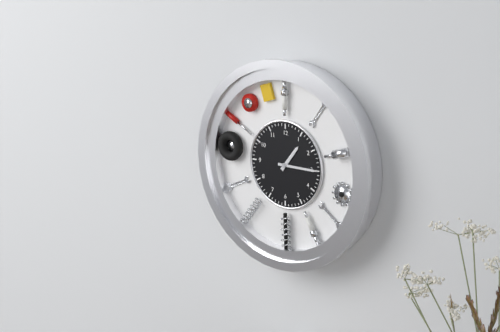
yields h=1 m=15
